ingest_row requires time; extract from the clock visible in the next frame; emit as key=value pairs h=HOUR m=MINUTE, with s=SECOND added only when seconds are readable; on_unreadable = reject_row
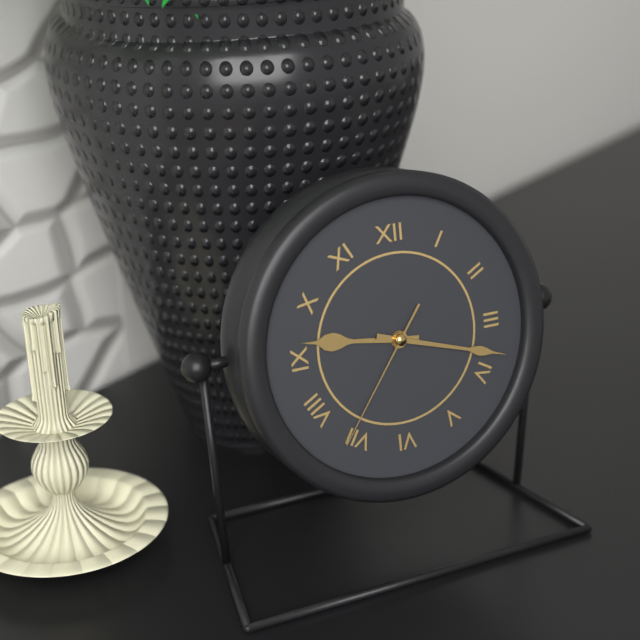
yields h=9 m=18 s=36
